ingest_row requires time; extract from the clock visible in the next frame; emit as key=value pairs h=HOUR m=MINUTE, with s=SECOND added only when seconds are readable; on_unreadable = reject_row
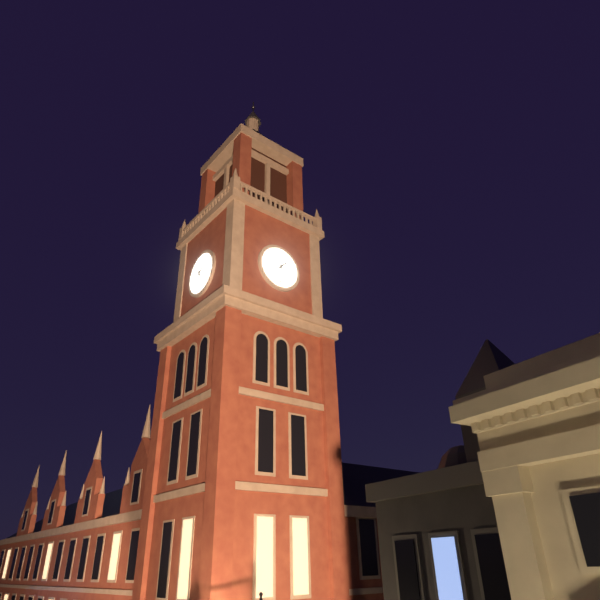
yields h=1 m=26
